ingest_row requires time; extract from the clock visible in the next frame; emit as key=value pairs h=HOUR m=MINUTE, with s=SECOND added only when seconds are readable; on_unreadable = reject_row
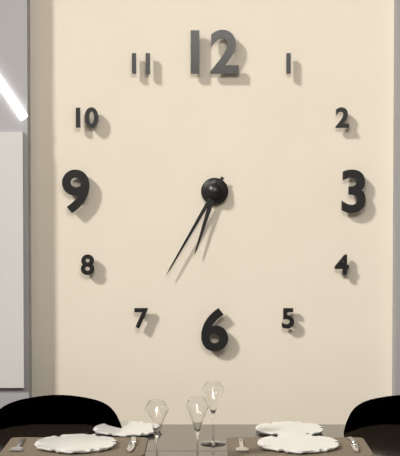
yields h=6 m=35
